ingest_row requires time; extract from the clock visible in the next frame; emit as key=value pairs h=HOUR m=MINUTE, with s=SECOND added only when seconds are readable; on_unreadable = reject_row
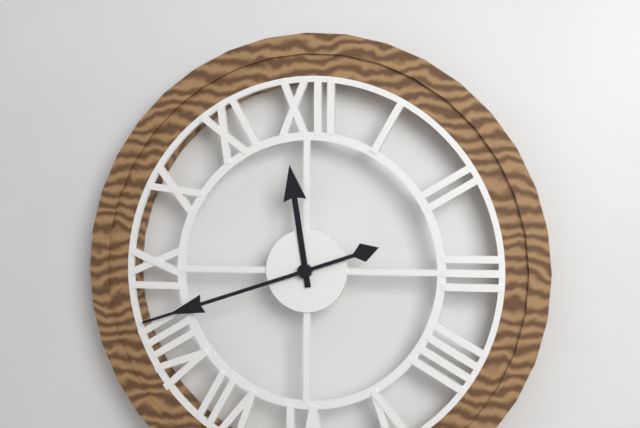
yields h=11 m=42
